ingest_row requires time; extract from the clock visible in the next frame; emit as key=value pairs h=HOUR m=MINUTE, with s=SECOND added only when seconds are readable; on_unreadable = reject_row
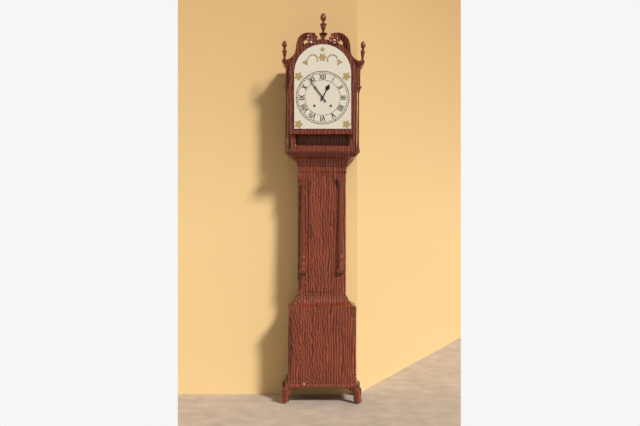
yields h=12 m=54
